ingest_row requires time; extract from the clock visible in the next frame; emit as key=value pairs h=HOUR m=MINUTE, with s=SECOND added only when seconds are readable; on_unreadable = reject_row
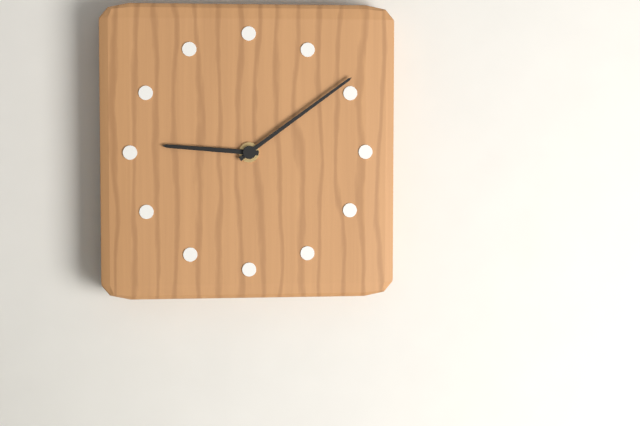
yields h=9 m=9
